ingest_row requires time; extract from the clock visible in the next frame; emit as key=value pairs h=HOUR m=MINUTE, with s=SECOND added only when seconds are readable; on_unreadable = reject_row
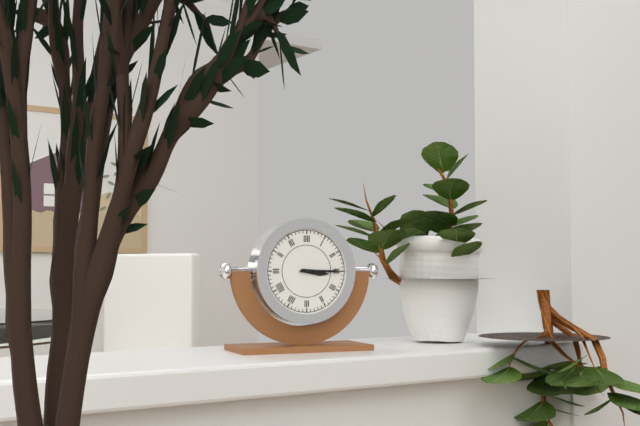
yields h=3 m=15
